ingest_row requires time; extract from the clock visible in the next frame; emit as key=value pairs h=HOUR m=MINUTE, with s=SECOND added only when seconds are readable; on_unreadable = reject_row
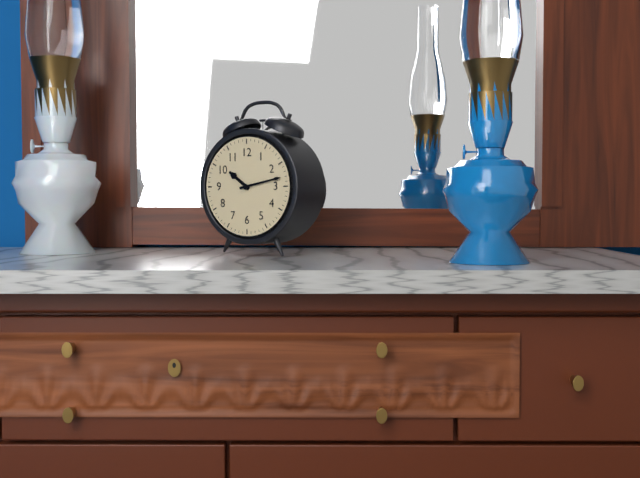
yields h=10 m=13
